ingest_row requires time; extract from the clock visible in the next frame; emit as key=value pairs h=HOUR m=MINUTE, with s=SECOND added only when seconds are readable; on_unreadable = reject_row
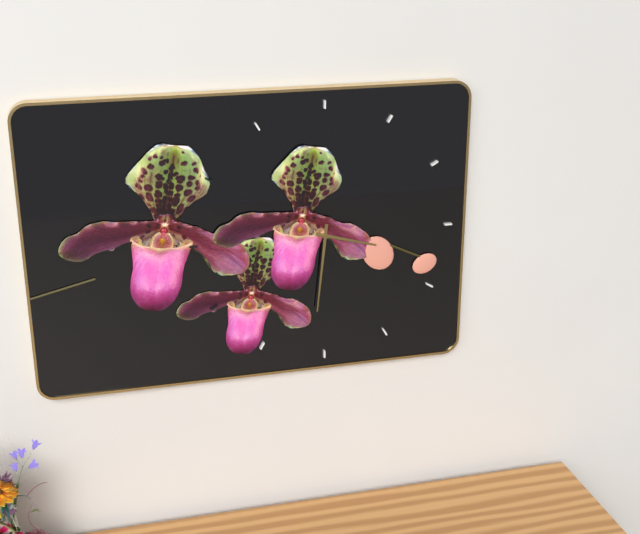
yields h=3 m=31
